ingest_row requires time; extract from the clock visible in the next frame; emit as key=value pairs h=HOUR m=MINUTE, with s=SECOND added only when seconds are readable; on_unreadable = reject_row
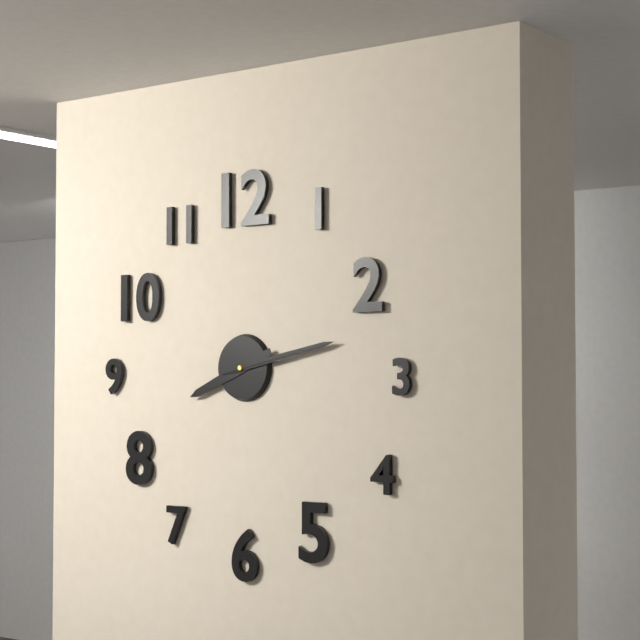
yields h=8 m=13 s=13
